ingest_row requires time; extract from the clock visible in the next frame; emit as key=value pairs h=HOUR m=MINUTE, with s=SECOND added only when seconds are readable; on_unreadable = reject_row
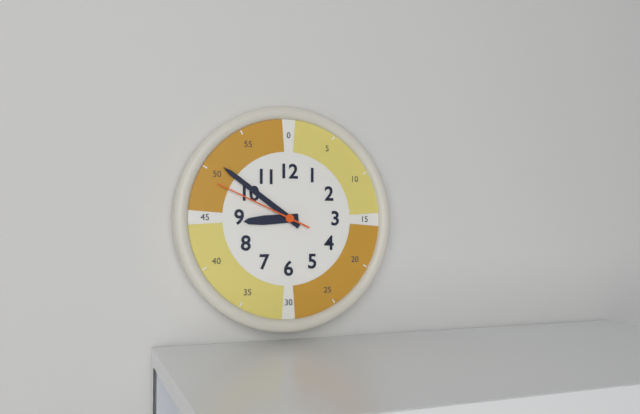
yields h=8 m=51 s=49
